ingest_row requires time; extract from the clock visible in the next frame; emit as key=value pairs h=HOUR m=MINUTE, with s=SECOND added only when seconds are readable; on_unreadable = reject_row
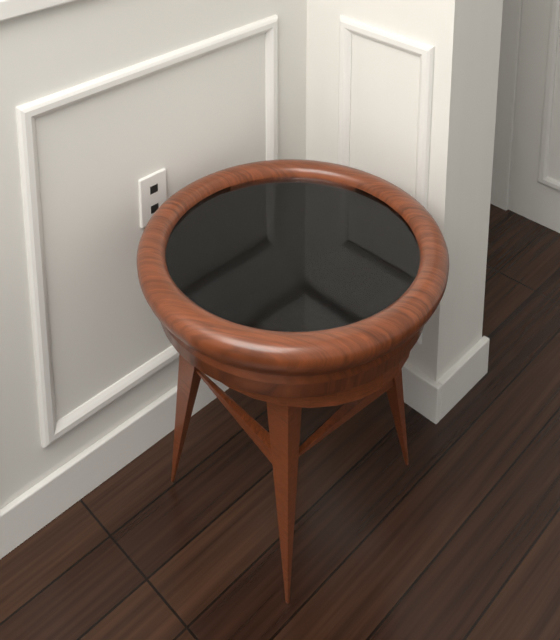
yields h=6 m=0
